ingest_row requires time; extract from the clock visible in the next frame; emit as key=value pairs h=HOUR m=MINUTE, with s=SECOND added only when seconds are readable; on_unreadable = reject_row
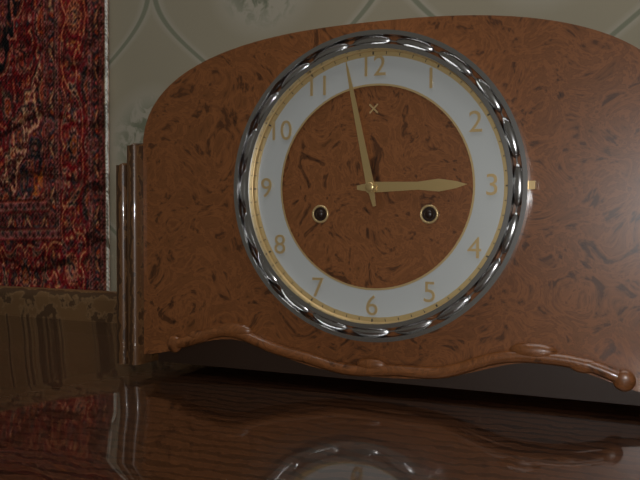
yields h=2 m=58
